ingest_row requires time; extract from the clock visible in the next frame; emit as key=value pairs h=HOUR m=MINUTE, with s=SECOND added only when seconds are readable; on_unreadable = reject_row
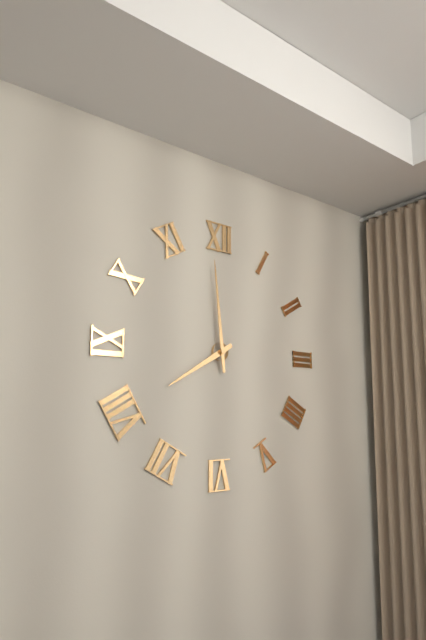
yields h=7 m=59
